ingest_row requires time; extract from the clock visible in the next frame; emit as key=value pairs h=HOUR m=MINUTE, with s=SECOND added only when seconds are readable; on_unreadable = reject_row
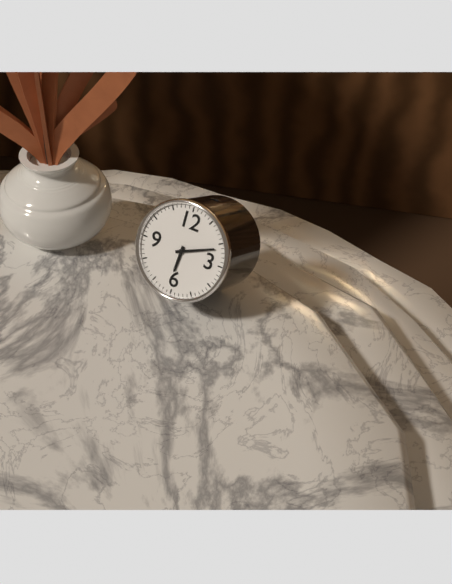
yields h=6 m=11
